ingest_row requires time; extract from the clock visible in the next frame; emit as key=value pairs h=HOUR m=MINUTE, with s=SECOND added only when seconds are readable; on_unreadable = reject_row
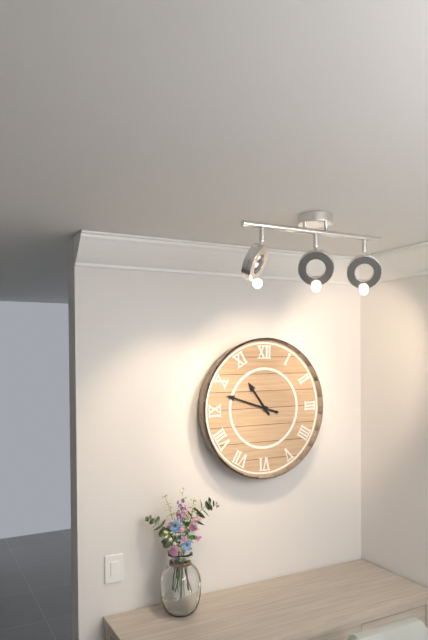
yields h=10 m=48
